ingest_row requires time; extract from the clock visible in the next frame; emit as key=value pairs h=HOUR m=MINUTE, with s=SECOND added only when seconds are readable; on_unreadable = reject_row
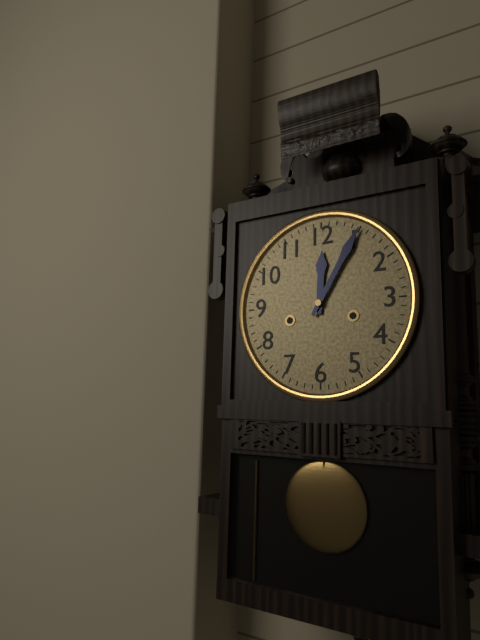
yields h=12 m=5
